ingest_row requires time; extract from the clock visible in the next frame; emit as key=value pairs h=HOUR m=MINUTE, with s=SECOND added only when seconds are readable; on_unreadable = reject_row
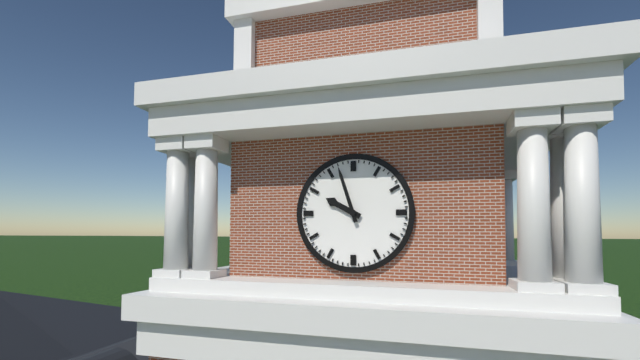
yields h=9 m=57
